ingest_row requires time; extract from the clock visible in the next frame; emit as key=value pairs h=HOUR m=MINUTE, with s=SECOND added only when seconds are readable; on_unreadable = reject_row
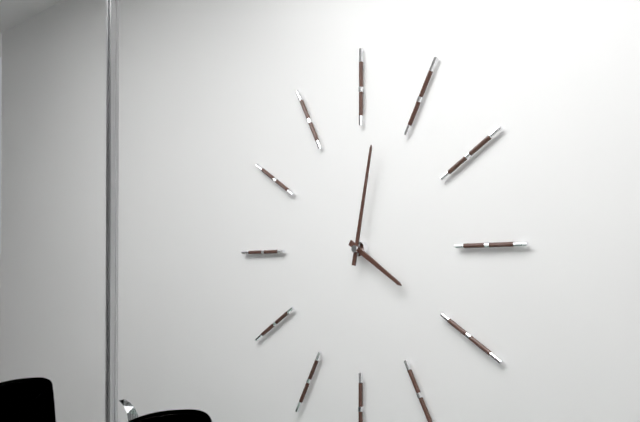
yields h=4 m=2
